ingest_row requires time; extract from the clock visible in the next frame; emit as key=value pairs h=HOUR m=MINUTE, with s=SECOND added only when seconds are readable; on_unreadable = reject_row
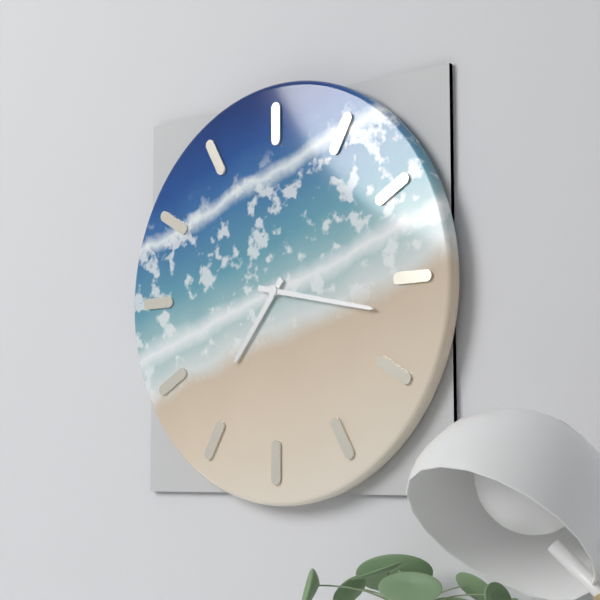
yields h=7 m=17
